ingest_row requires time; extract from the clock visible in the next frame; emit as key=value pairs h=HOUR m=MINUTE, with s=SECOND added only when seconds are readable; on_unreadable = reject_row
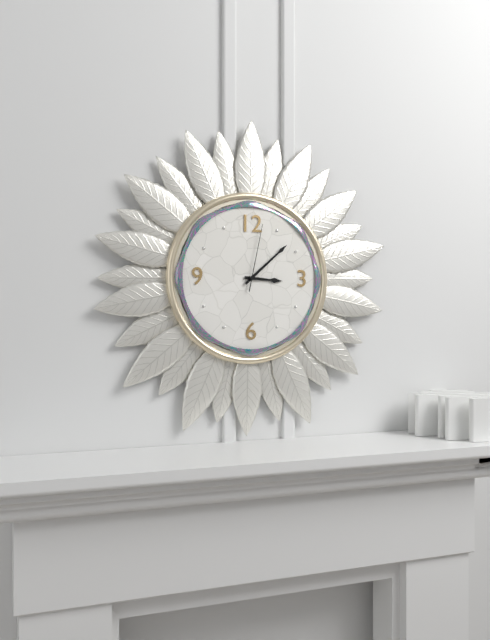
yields h=3 m=8 s=2
